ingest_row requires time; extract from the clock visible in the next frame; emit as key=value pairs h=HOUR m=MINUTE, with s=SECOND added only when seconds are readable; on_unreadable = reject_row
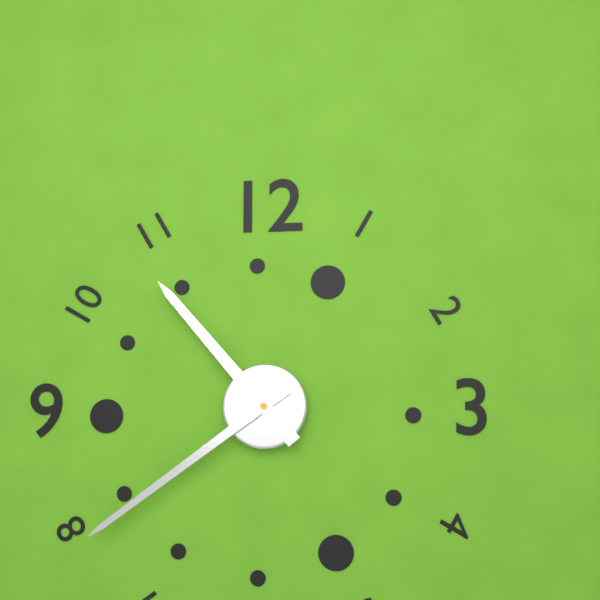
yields h=10 m=39
